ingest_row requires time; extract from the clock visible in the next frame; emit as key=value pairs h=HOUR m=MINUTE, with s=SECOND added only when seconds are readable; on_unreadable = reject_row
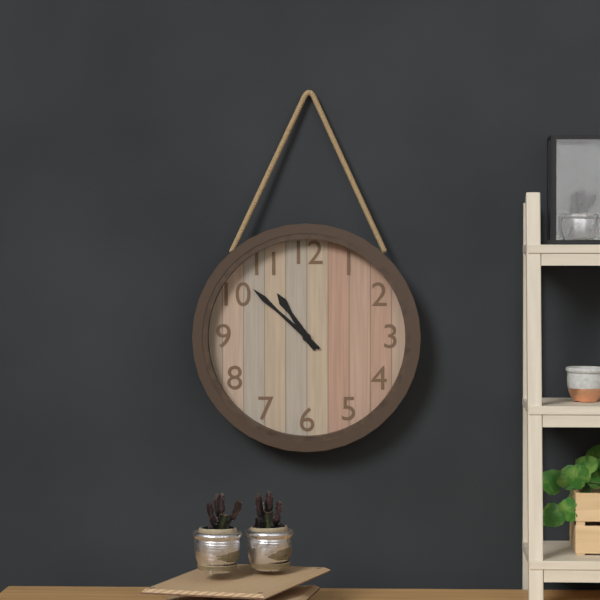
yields h=10 m=52
